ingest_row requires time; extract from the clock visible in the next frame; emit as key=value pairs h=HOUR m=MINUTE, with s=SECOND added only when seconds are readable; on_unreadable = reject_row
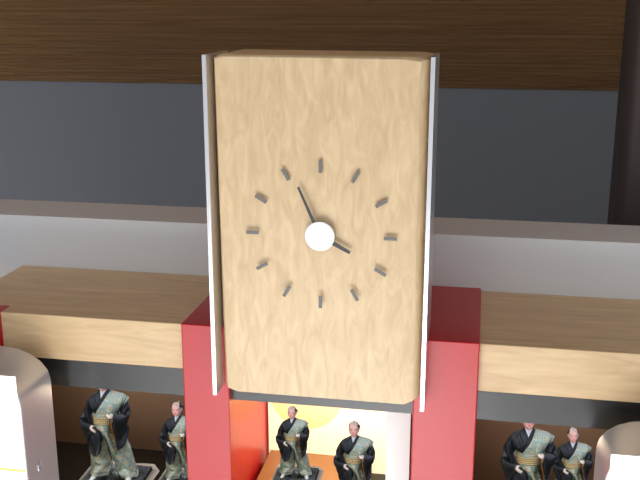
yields h=3 m=56
